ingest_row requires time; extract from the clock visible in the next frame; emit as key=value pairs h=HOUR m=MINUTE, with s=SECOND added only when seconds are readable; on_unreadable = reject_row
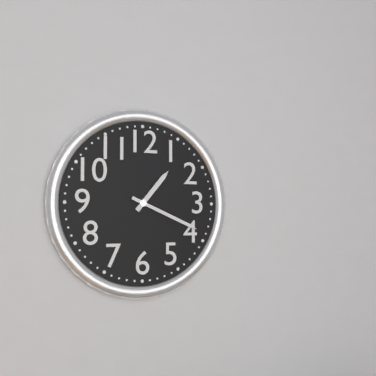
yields h=1 m=19
